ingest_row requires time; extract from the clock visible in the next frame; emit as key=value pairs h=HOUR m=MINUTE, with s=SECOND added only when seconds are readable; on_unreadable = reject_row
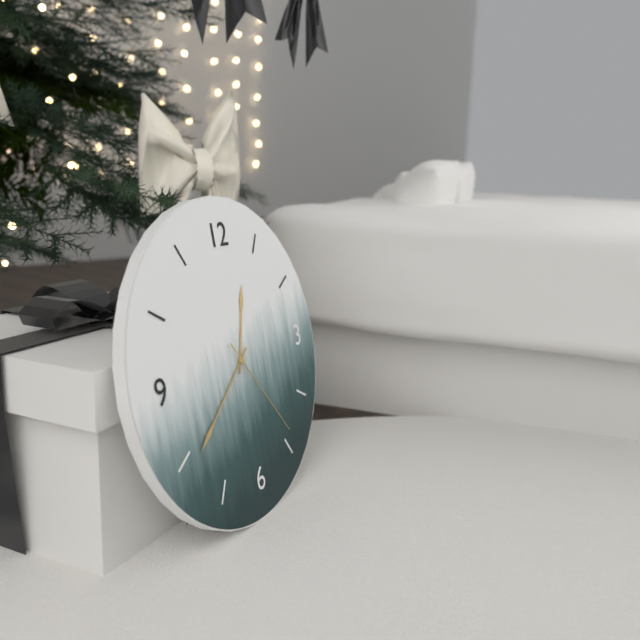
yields h=12 m=39 s=24
